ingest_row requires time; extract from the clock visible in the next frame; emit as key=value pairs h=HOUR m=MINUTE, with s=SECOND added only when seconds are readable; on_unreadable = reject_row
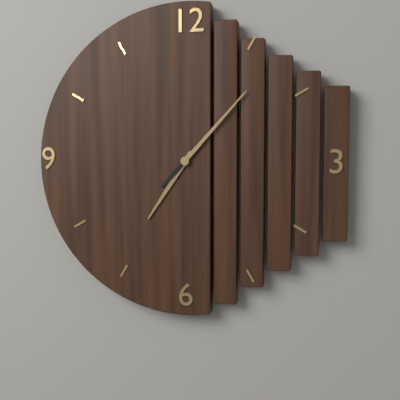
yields h=7 m=7
